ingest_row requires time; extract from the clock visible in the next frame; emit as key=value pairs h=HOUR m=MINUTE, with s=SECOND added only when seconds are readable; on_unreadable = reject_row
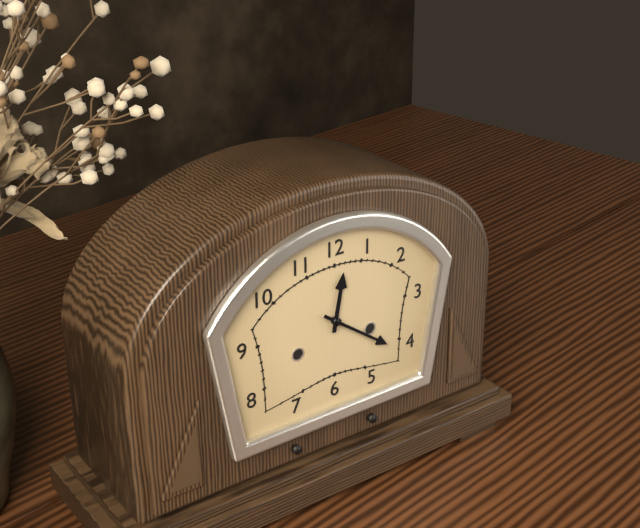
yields h=12 m=21
